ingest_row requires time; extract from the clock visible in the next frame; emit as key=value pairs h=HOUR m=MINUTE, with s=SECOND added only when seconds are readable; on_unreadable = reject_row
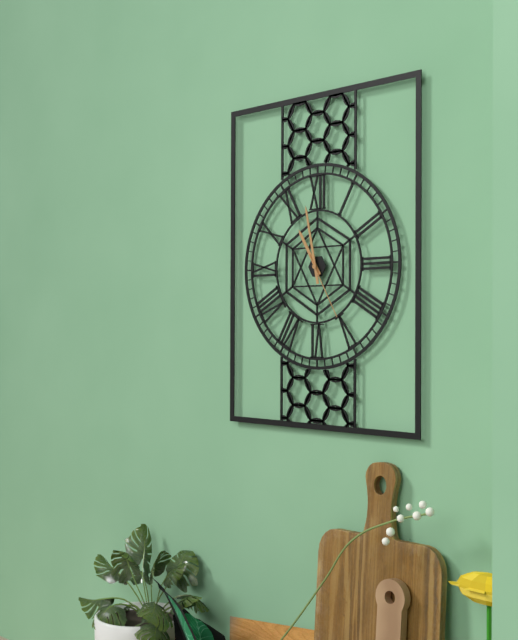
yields h=10 m=58 s=25
